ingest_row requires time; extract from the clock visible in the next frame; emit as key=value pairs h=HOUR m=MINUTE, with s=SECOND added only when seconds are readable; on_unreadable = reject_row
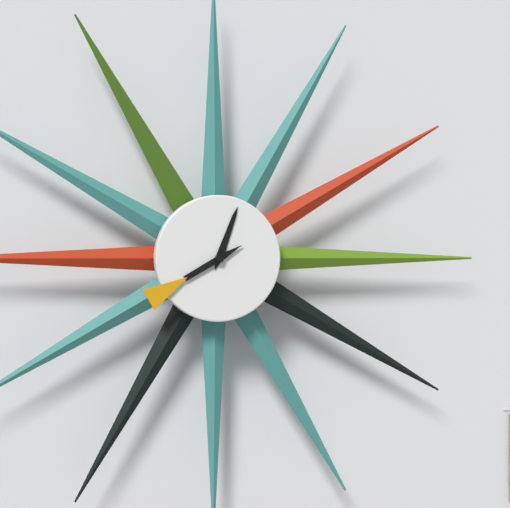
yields h=12 m=40
